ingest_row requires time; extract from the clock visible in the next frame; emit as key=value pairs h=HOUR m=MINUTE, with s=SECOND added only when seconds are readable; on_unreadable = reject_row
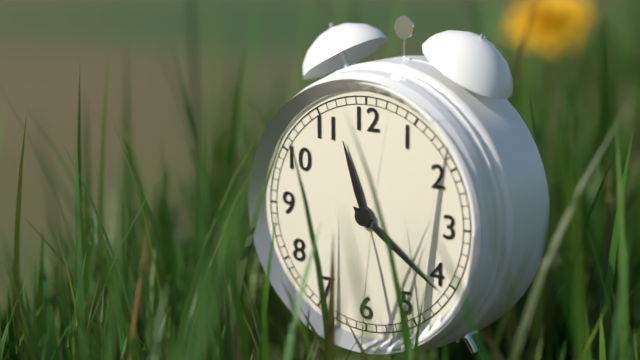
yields h=11 m=21
